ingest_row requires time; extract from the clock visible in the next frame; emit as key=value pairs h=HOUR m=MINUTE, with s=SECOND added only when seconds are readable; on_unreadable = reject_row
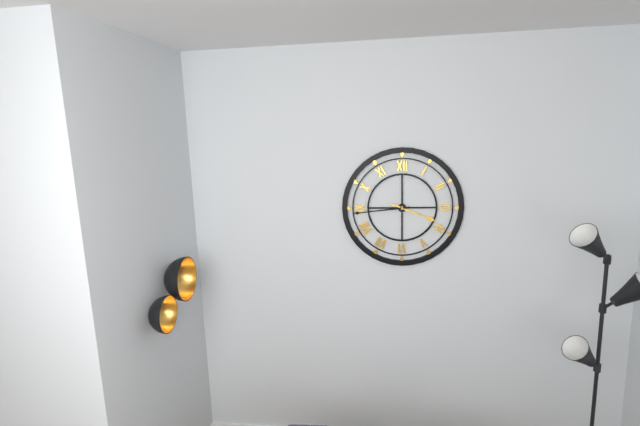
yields h=3 m=44
